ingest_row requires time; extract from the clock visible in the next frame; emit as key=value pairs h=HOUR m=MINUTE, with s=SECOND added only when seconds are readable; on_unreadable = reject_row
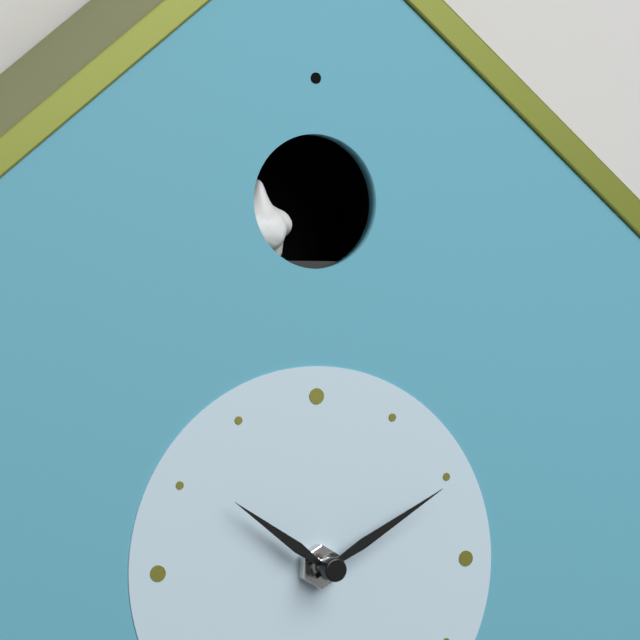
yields h=10 m=10
